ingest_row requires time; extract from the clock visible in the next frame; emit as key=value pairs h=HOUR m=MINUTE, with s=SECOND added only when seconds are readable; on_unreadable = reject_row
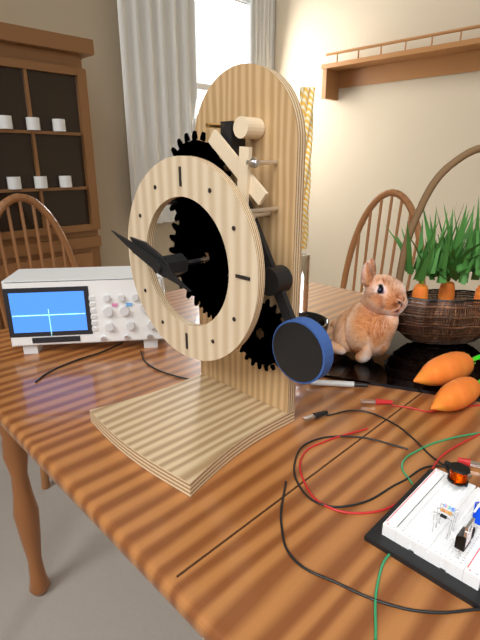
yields h=9 m=48
